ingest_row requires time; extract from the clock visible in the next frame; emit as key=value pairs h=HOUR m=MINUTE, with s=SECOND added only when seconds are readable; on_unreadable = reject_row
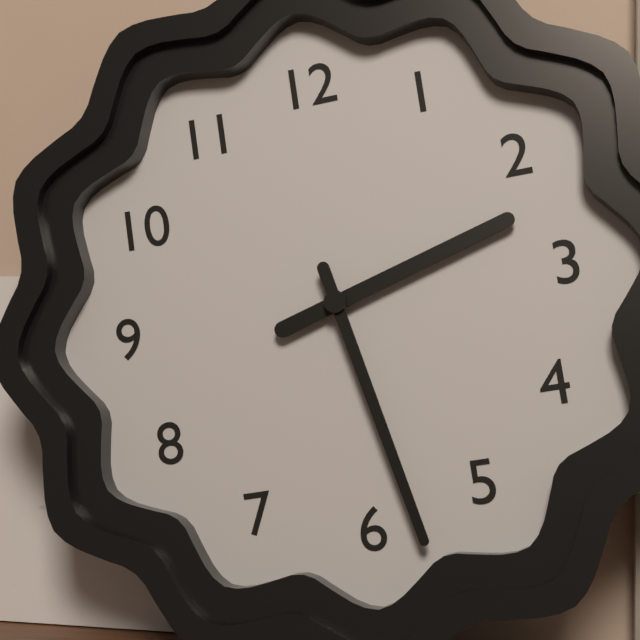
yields h=2 m=28
